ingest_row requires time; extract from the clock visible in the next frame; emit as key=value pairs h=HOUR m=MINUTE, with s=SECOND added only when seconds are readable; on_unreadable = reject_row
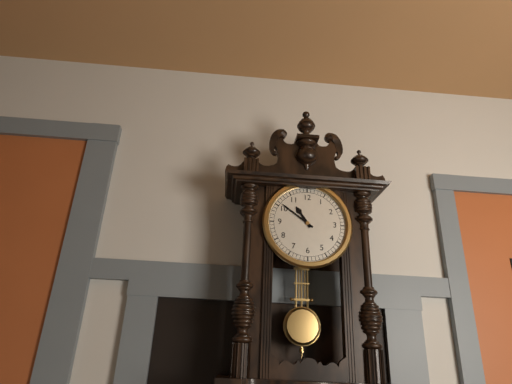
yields h=10 m=51
